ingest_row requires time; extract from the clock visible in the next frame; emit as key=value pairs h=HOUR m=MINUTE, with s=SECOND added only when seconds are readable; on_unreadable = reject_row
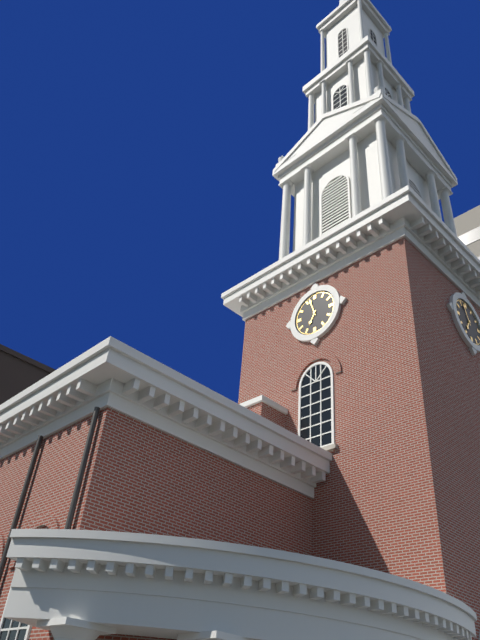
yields h=6 m=57
